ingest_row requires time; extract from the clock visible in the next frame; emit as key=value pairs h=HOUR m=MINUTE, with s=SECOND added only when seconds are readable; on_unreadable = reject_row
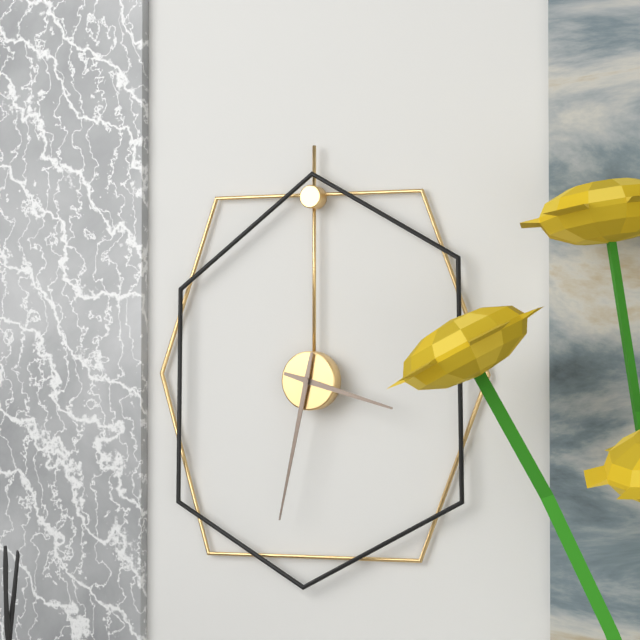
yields h=3 m=32
